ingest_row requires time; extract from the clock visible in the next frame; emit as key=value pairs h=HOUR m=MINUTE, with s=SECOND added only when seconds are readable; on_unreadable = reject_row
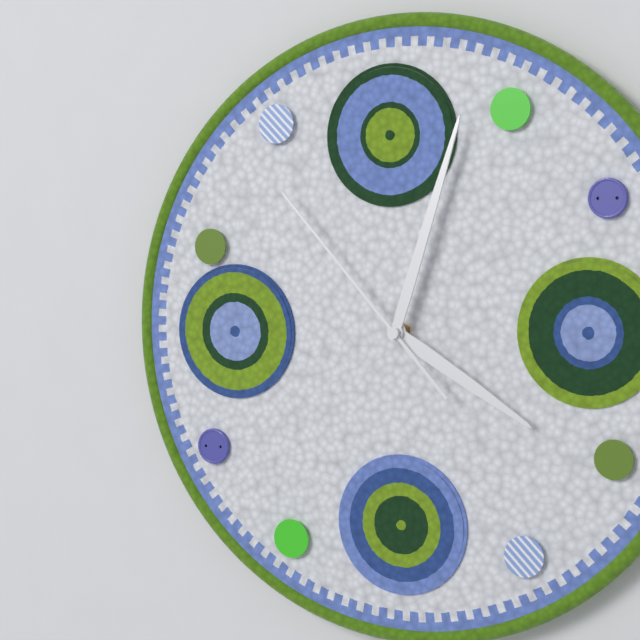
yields h=4 m=3 s=53
